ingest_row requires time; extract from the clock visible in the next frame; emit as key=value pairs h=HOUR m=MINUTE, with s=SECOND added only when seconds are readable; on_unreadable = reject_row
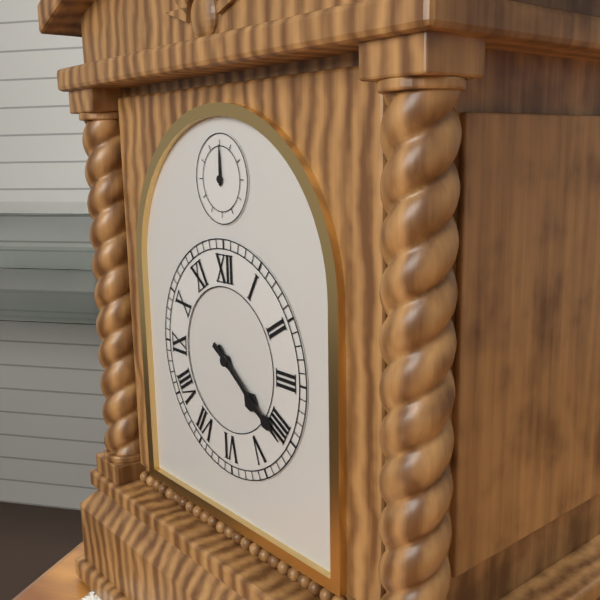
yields h=4 m=21
